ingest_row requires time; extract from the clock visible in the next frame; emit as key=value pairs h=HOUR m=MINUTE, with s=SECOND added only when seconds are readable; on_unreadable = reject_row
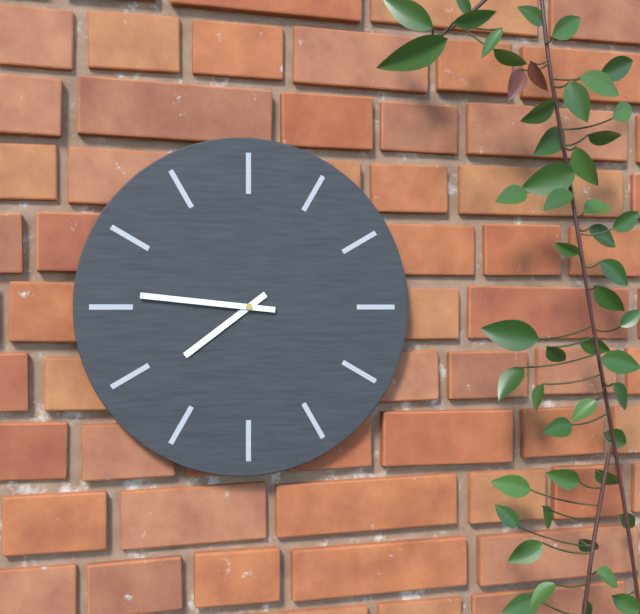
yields h=7 m=46
